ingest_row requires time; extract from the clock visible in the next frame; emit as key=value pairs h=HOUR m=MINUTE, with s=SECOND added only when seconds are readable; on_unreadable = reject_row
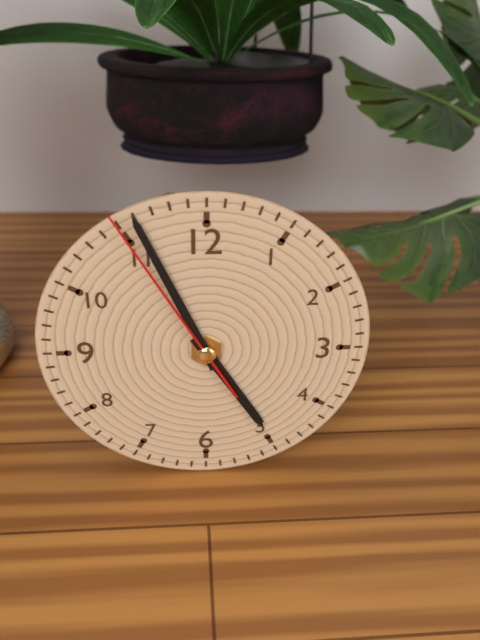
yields h=4 m=56 s=55
